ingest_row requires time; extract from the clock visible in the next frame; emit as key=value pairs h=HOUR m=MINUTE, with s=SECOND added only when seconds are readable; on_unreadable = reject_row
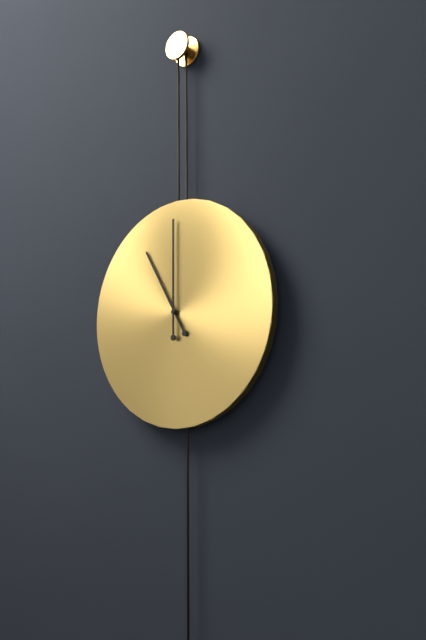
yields h=11 m=0
